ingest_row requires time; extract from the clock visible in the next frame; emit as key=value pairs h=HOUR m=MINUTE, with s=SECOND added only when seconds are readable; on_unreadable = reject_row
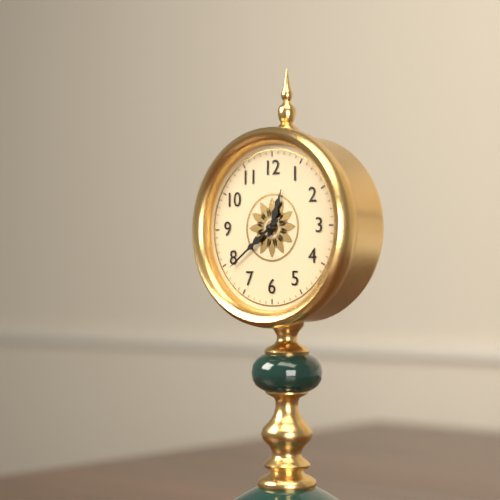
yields h=12 m=39
